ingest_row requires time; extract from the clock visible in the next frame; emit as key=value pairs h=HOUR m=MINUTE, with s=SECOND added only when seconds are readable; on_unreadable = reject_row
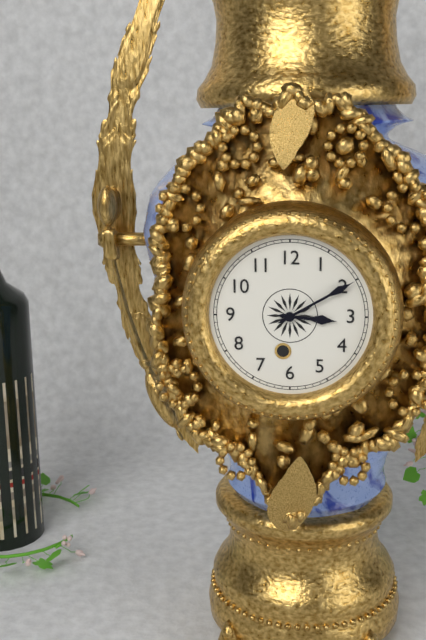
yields h=3 m=10
